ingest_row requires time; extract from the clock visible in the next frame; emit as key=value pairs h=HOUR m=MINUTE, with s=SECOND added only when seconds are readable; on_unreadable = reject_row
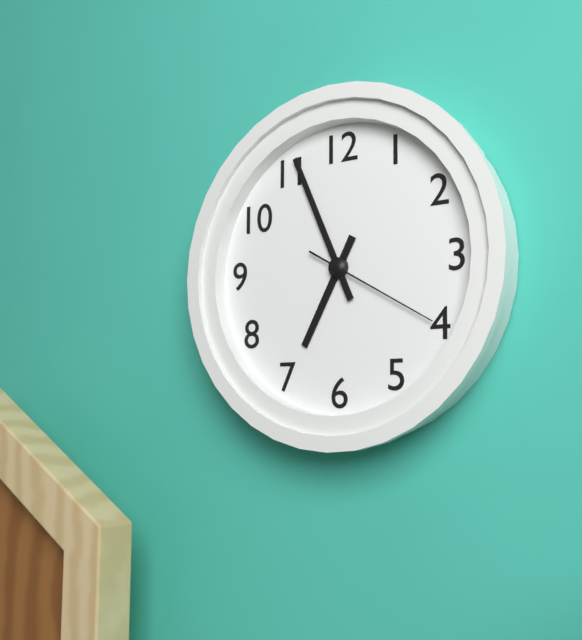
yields h=6 m=56 s=20
